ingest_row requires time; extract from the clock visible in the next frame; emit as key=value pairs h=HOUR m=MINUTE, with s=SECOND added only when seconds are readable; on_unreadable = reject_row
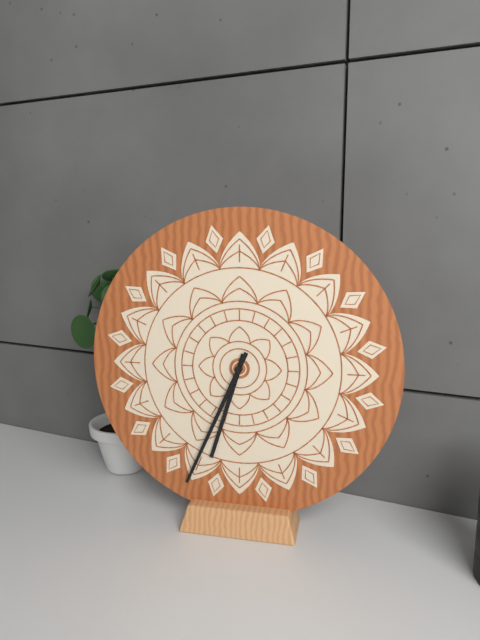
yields h=6 m=34
